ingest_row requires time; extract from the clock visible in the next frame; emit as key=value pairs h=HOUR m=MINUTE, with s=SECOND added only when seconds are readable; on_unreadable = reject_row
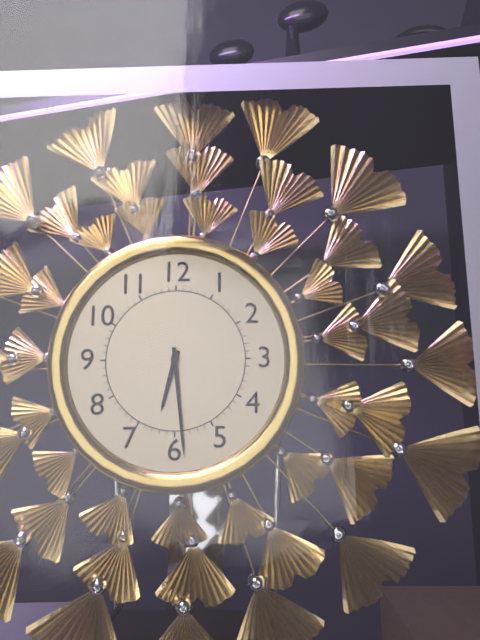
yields h=6 m=29
